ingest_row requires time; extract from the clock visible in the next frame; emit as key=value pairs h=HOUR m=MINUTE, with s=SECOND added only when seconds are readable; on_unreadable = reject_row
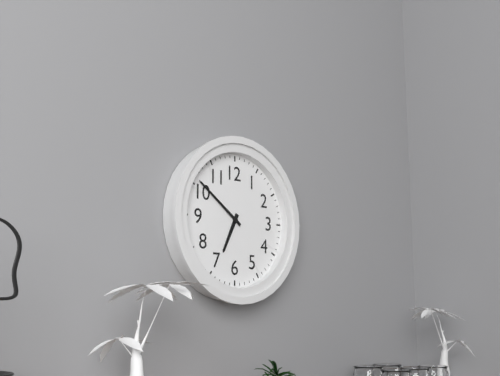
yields h=6 m=51
